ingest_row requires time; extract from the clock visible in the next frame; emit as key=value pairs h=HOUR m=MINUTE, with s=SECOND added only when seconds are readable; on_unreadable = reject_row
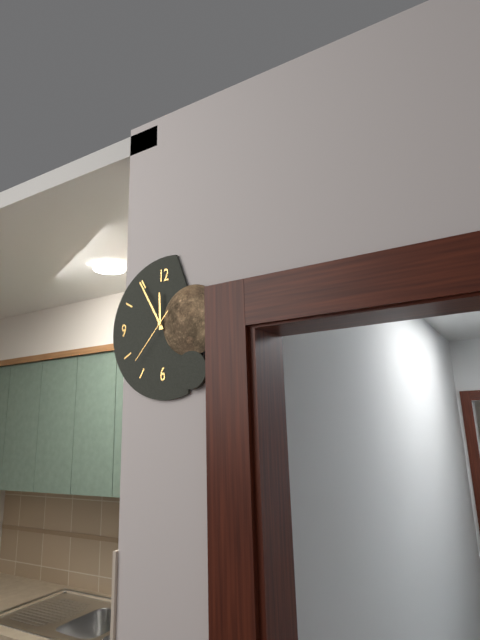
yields h=11 m=55 s=37
